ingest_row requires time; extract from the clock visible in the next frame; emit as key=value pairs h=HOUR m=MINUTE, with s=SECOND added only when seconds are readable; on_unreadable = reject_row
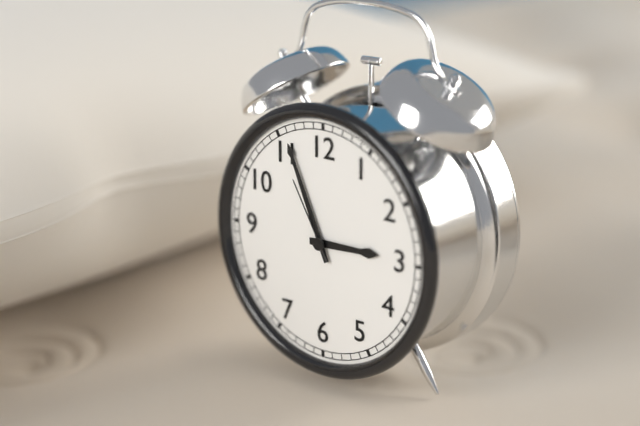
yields h=2 m=56 s=55
